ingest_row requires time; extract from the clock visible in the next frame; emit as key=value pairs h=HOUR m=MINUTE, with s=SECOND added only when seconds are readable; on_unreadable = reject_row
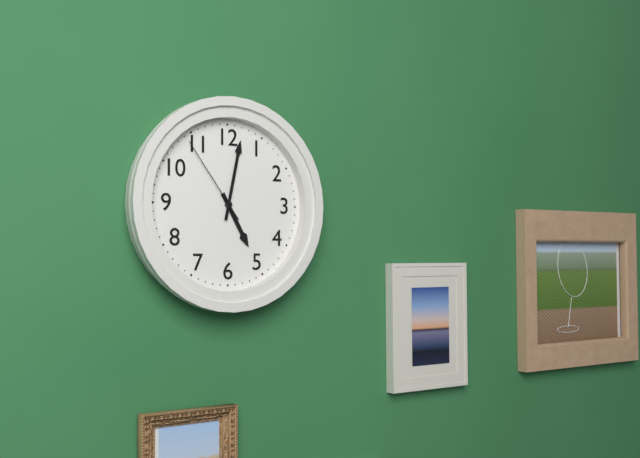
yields h=5 m=2 s=54
